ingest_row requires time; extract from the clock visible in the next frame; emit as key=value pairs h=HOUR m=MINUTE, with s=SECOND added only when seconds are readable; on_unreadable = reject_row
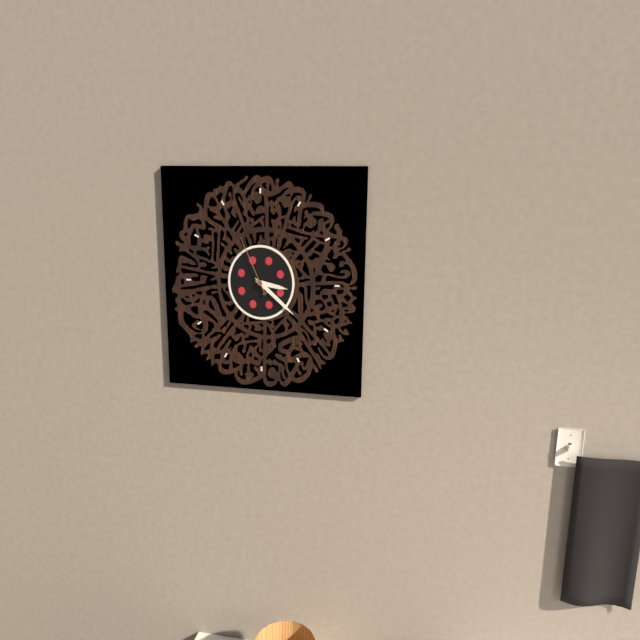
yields h=3 m=22 s=56
